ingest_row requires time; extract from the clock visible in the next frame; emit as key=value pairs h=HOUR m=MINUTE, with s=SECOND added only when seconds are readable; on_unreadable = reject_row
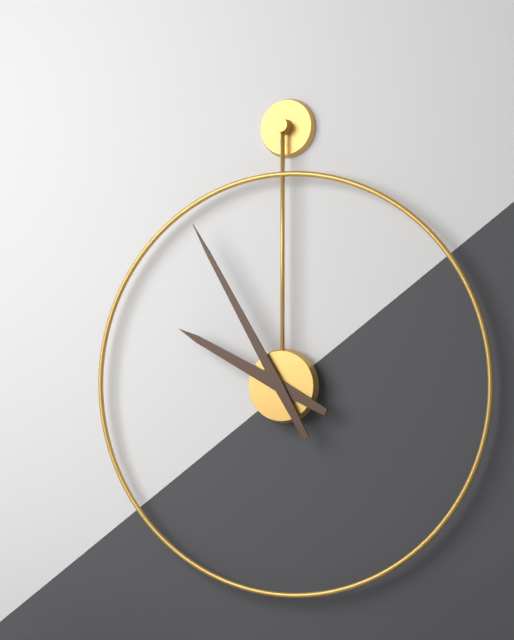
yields h=9 m=55
